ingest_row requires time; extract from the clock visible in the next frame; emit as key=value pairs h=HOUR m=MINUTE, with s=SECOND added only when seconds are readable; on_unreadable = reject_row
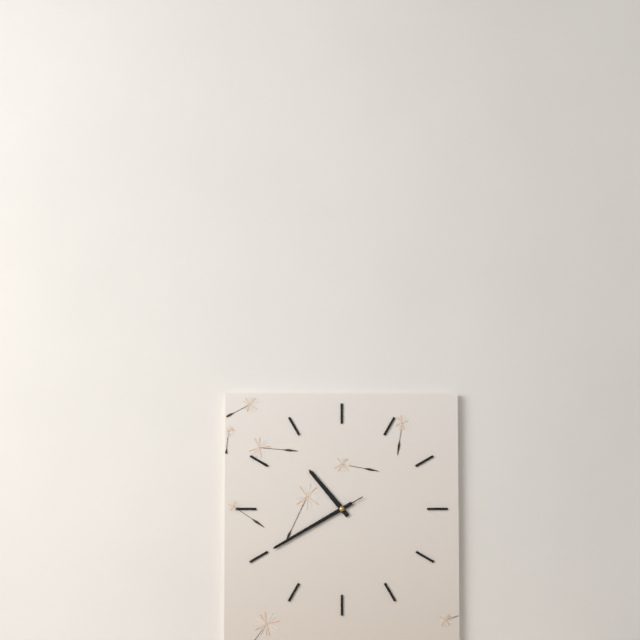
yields h=10 m=40 s=40
